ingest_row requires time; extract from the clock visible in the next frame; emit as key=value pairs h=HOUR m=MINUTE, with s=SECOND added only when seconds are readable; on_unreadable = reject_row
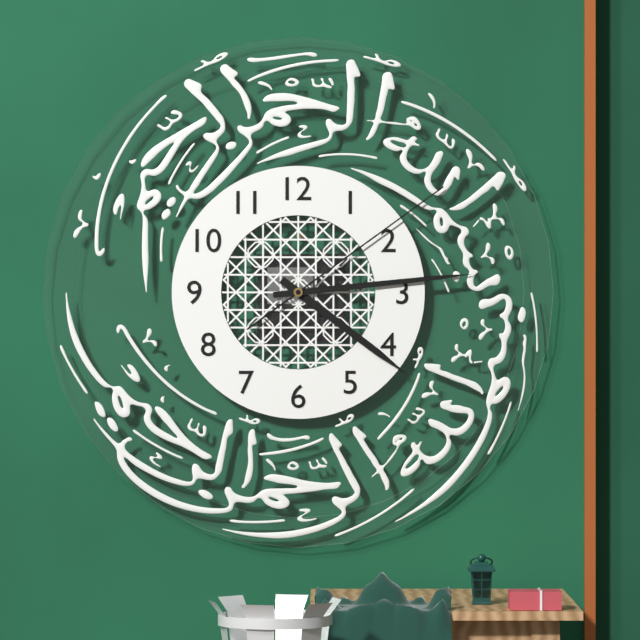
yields h=4 m=14 s=9
